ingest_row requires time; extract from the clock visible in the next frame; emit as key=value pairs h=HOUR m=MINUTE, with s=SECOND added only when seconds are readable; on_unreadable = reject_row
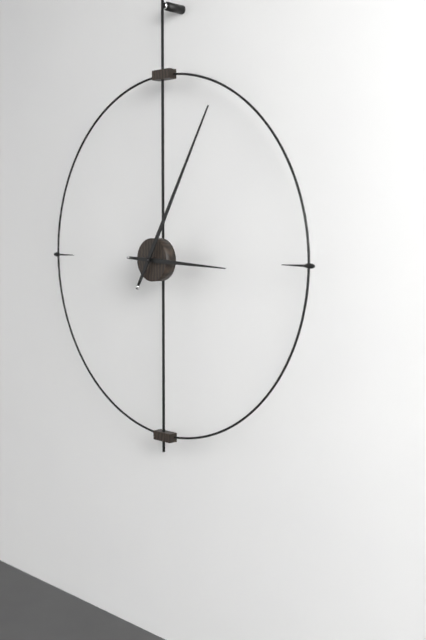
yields h=3 m=5
